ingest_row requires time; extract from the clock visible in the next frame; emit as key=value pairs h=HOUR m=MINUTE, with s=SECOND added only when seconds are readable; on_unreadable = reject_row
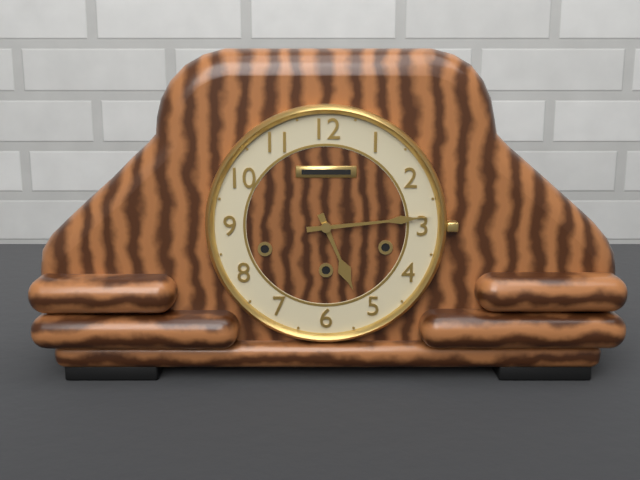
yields h=5 m=14
